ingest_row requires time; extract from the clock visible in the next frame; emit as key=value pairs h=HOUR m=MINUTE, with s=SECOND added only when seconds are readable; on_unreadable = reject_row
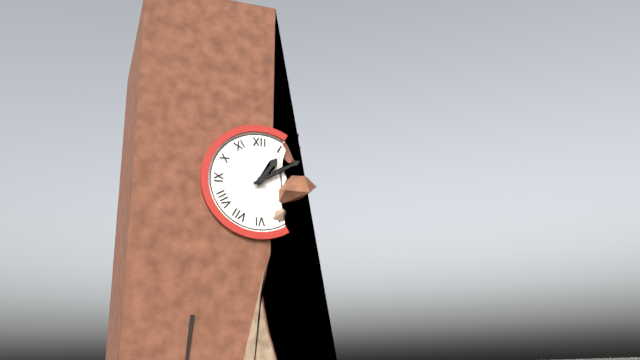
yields h=1 m=10
